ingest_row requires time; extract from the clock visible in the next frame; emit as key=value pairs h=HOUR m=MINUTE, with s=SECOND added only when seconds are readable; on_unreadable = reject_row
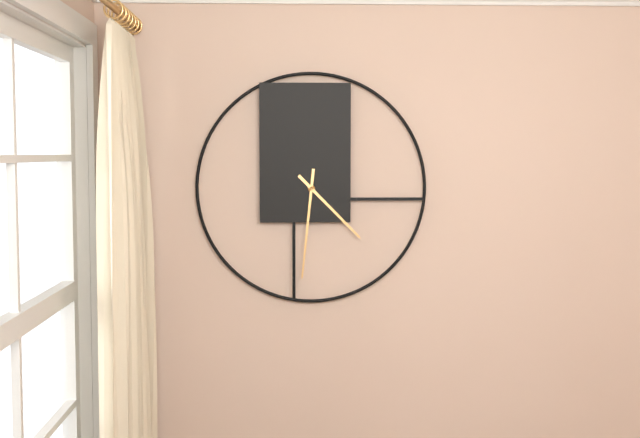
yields h=4 m=31
